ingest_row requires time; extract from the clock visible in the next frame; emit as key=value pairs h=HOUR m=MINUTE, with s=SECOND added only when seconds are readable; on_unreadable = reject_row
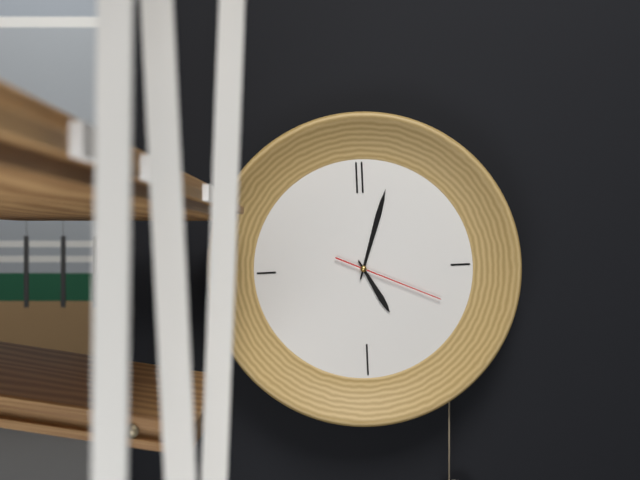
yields h=5 m=3 s=19
